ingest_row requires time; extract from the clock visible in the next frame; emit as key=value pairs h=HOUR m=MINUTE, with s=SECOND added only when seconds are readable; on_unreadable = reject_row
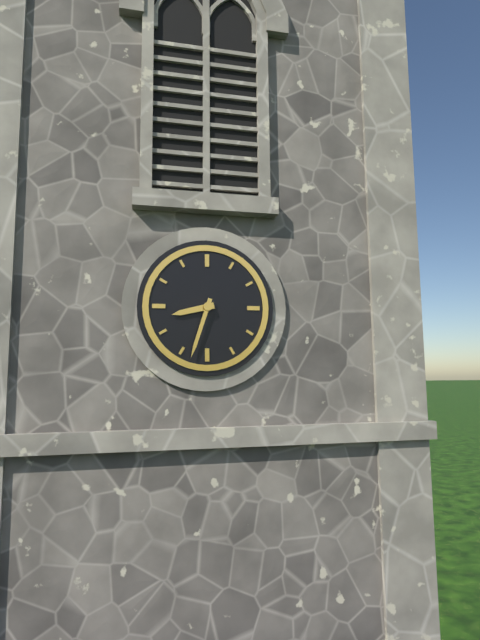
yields h=8 m=33
